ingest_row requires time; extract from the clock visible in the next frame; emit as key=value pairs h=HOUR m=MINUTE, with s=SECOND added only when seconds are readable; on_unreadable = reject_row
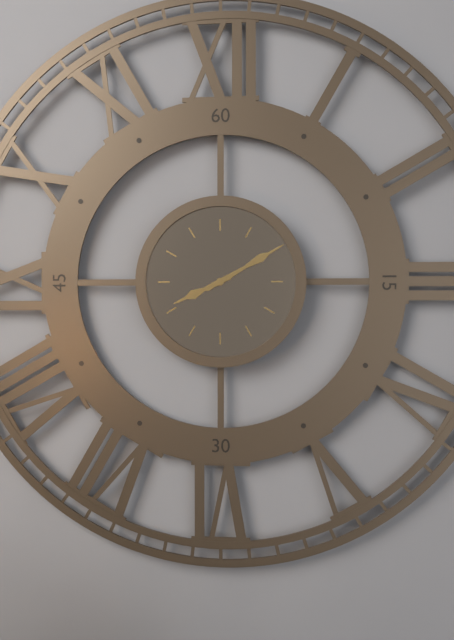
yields h=8 m=10
